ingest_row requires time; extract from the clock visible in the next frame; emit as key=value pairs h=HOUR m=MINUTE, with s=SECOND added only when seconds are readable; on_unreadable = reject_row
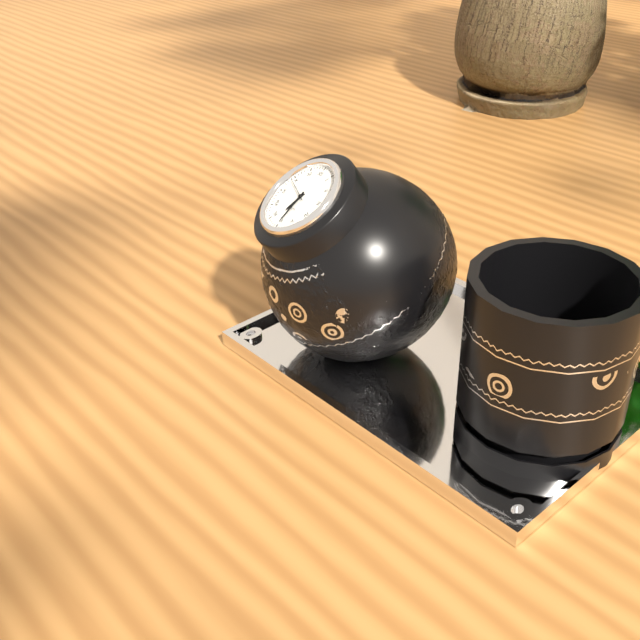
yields h=6 m=30 s=49
